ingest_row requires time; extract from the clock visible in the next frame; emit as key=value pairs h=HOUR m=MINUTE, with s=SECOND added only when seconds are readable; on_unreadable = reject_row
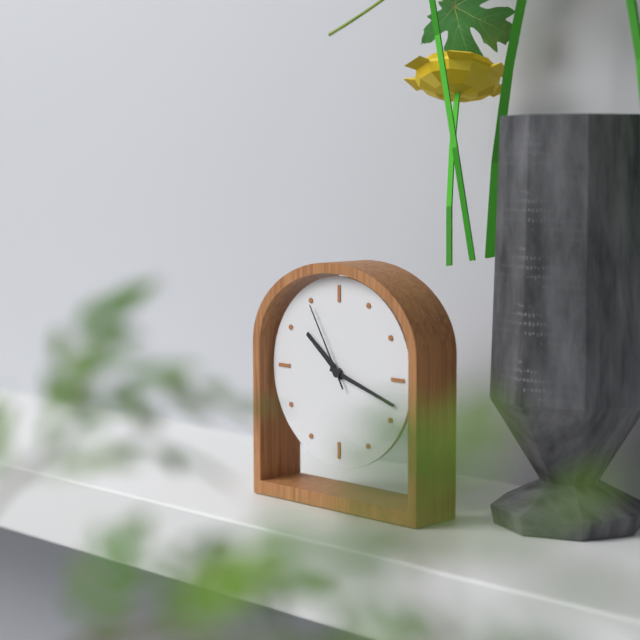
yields h=10 m=18 s=55
